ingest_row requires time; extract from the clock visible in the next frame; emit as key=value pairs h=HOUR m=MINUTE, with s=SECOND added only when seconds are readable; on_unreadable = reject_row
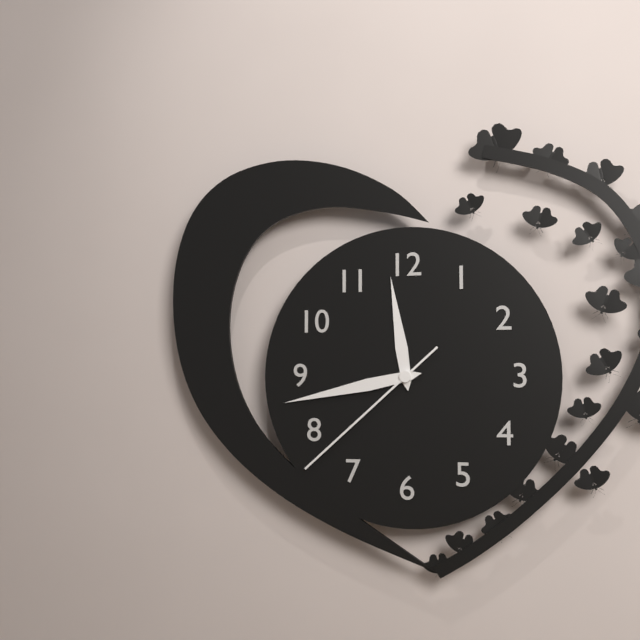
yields h=11 m=43 s=38
